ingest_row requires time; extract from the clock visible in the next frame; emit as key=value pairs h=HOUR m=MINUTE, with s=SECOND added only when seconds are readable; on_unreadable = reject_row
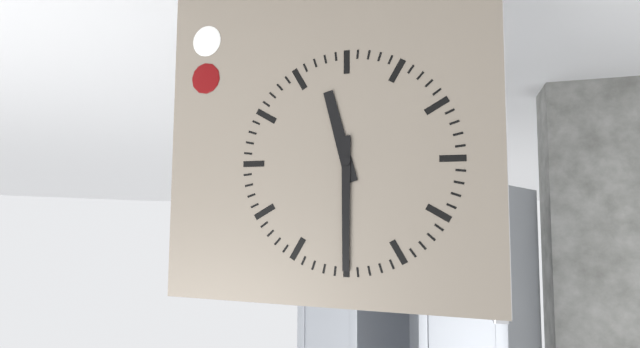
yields h=11 m=30
